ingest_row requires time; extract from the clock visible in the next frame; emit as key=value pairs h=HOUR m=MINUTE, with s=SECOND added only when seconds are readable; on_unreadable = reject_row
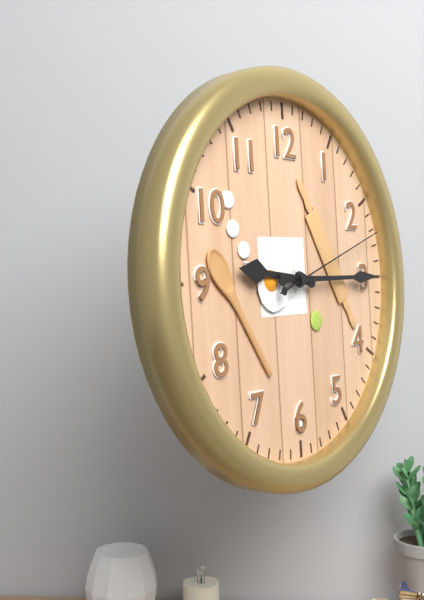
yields h=9 m=15 s=12
